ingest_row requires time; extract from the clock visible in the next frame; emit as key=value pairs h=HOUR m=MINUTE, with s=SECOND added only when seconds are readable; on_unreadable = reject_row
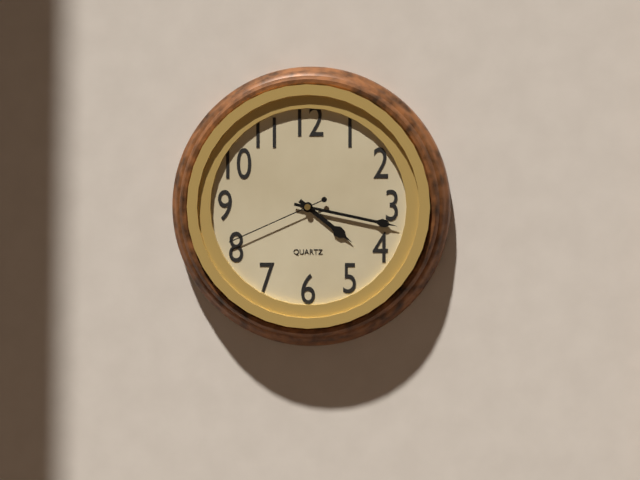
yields h=4 m=17 s=41
